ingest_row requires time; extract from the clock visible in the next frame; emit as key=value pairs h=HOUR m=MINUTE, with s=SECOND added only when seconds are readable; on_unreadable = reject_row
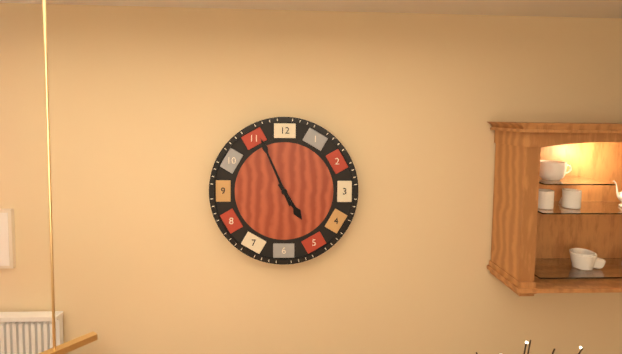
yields h=4 m=56
